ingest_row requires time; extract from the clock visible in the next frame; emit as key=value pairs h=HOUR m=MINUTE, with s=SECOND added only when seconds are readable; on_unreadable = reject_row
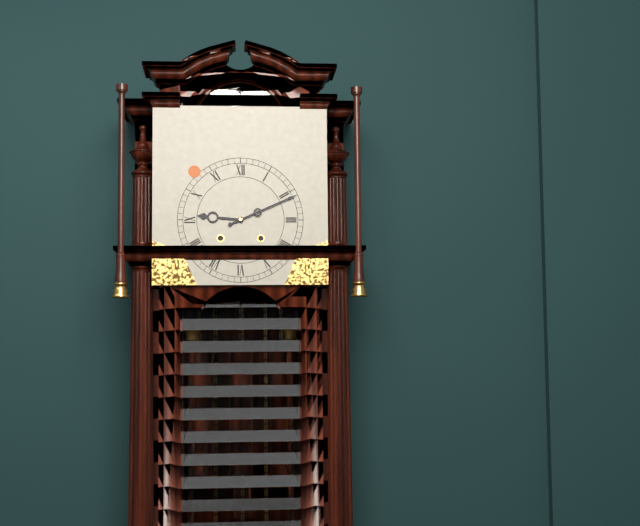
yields h=9 m=11
